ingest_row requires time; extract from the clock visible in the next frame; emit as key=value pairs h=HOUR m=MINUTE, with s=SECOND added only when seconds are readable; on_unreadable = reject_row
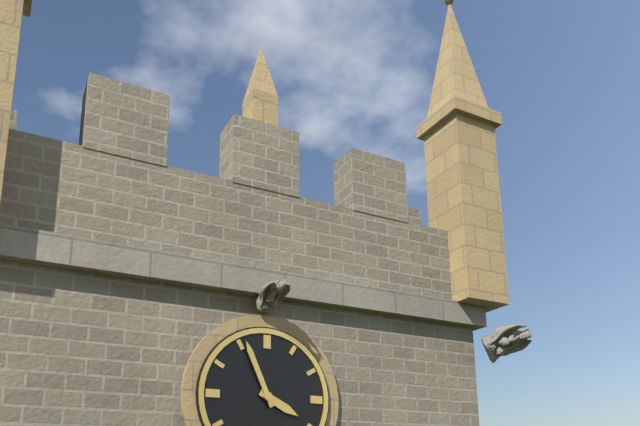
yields h=3 m=56
